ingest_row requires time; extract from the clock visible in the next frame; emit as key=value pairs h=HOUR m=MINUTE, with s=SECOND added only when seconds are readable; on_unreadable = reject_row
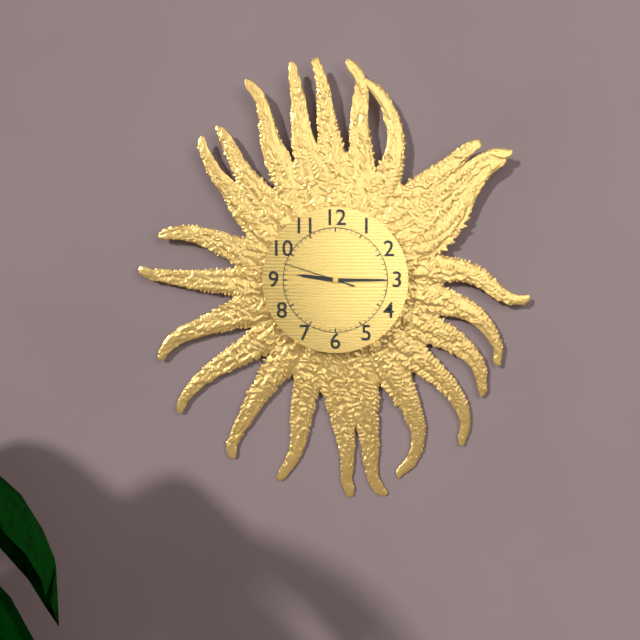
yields h=9 m=15 s=48
